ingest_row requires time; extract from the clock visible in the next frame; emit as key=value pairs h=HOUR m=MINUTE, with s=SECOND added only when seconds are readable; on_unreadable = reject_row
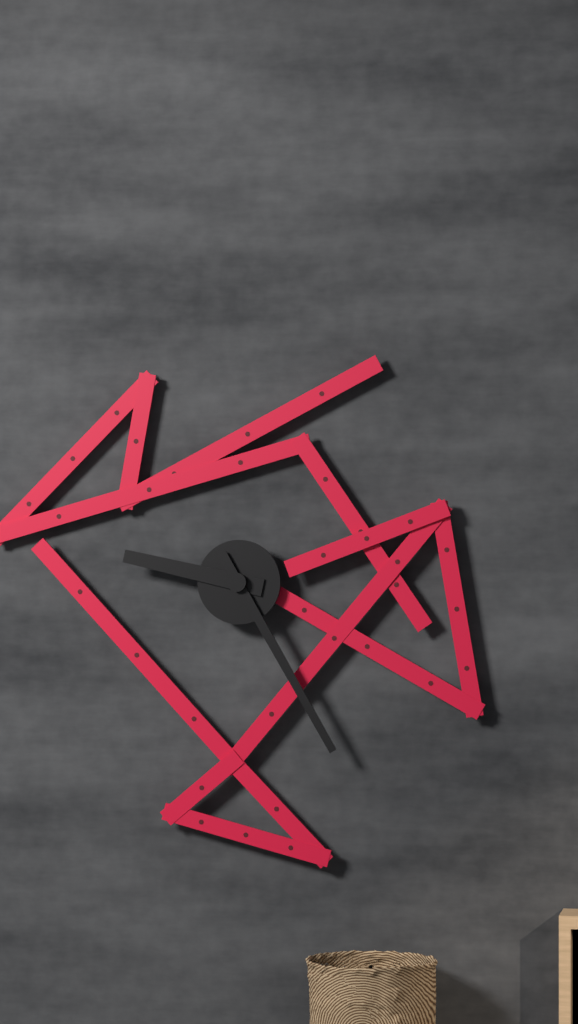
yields h=9 m=25
